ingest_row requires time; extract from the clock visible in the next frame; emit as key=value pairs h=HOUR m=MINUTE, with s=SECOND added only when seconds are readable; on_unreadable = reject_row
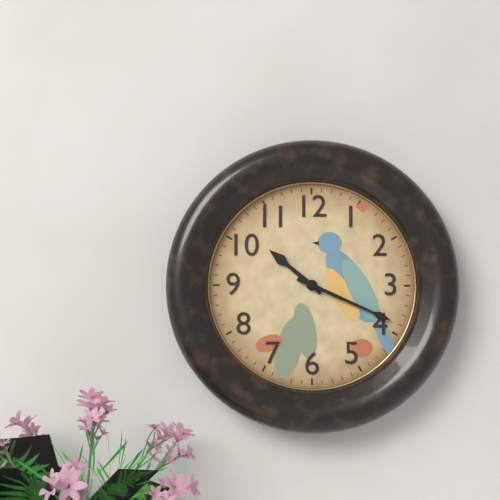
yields h=10 m=19
